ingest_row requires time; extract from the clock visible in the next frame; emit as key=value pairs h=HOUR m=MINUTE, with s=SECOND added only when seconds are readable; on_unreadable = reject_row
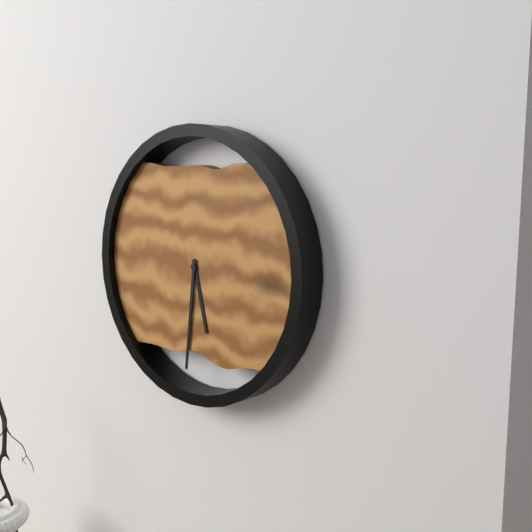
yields h=5 m=31
